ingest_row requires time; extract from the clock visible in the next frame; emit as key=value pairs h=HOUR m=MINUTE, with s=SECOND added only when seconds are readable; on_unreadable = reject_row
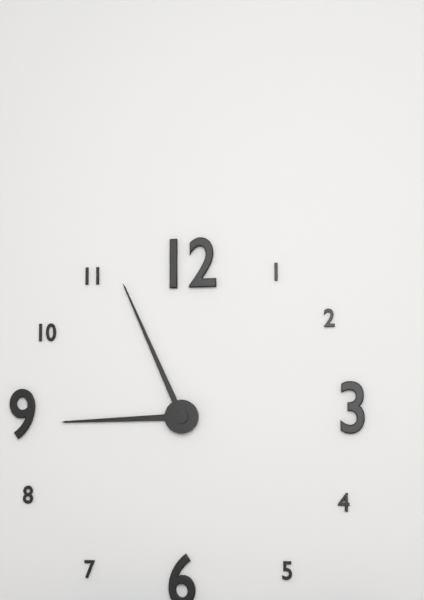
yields h=8 m=56
